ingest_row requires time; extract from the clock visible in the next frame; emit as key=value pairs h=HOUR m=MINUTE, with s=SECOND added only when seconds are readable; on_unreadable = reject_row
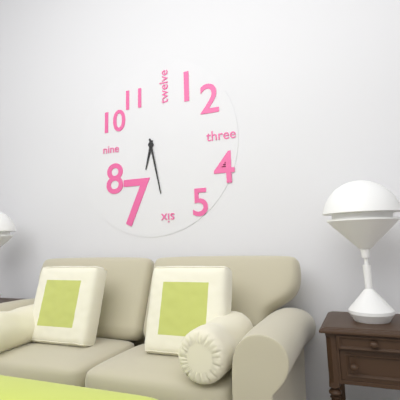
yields h=6 m=28
